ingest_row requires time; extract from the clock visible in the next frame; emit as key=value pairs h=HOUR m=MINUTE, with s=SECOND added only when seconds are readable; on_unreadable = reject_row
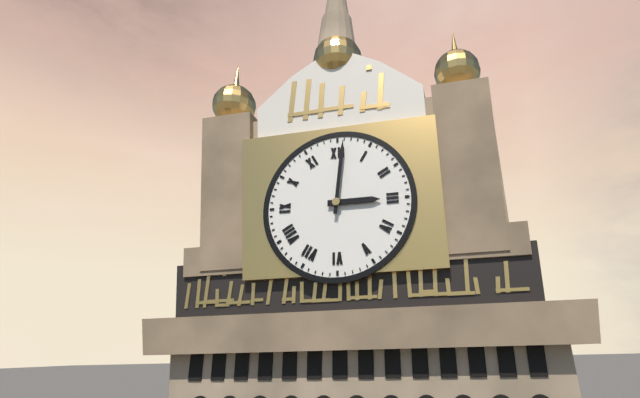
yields h=3 m=1
